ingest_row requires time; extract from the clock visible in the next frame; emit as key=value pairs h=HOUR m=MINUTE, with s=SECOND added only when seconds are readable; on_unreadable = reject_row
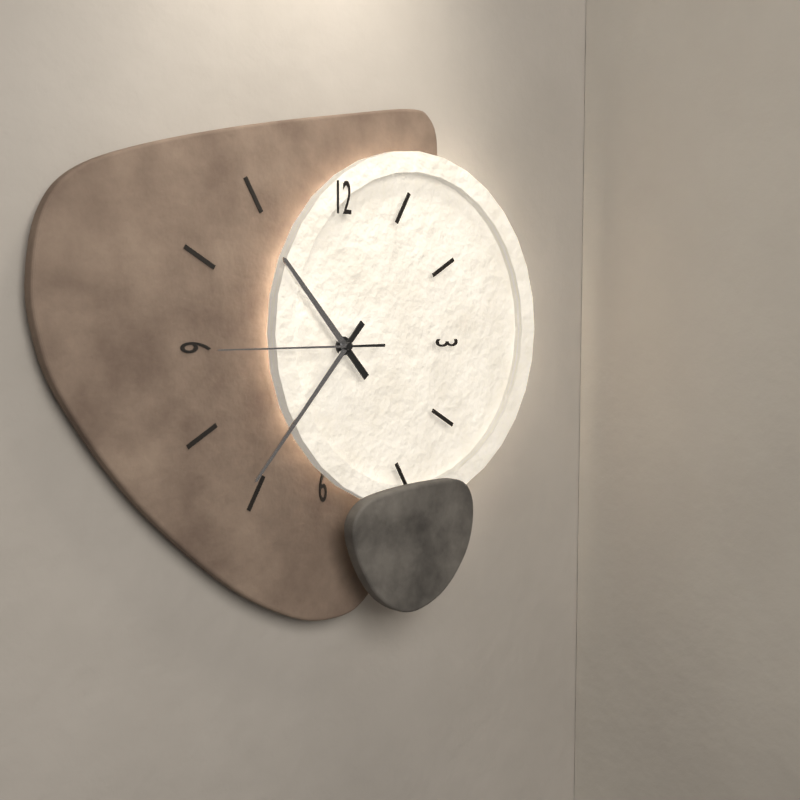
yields h=10 m=37 s=45
